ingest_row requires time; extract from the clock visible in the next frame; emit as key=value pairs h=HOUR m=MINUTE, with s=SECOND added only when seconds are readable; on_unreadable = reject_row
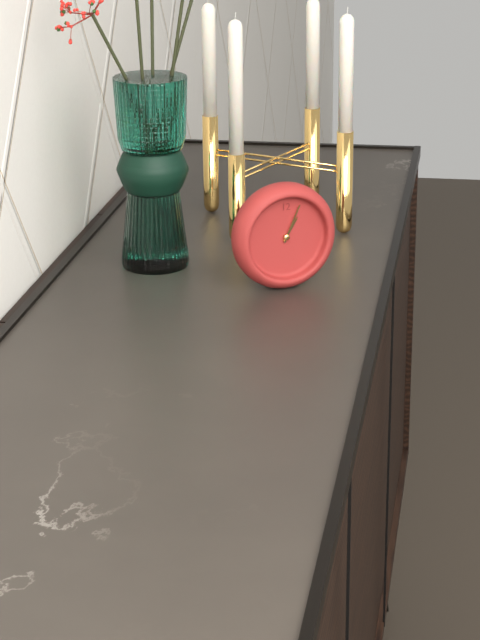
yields h=1 m=4
